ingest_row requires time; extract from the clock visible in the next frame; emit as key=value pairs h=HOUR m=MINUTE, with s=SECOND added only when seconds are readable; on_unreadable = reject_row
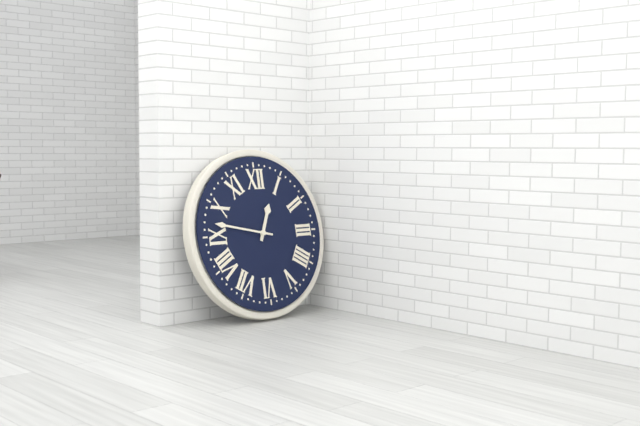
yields h=12 m=47
